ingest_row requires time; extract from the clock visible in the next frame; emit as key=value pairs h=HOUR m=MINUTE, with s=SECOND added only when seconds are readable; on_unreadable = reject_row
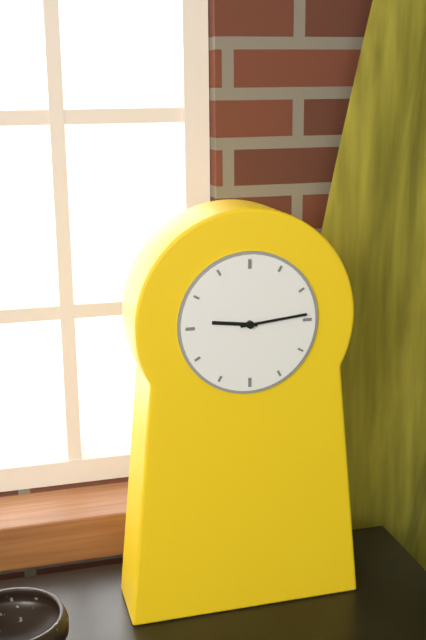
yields h=9 m=14
